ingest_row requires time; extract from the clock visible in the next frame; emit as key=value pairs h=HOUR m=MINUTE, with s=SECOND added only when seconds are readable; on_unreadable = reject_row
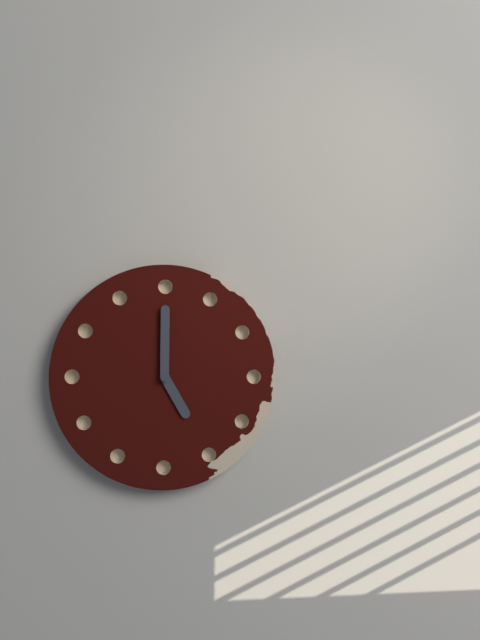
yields h=5 m=0
